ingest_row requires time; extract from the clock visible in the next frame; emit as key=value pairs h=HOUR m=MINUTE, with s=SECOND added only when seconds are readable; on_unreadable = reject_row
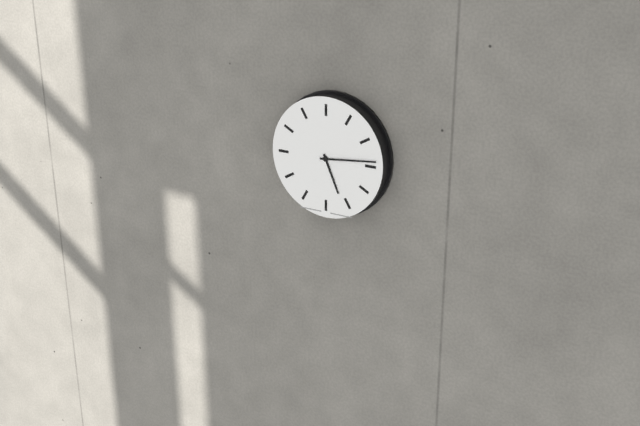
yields h=5 m=14
